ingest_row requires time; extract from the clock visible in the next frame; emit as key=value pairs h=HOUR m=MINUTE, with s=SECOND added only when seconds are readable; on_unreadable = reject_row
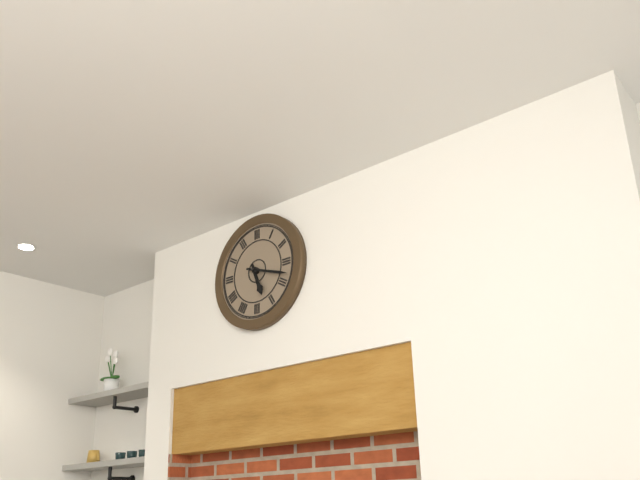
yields h=5 m=18
